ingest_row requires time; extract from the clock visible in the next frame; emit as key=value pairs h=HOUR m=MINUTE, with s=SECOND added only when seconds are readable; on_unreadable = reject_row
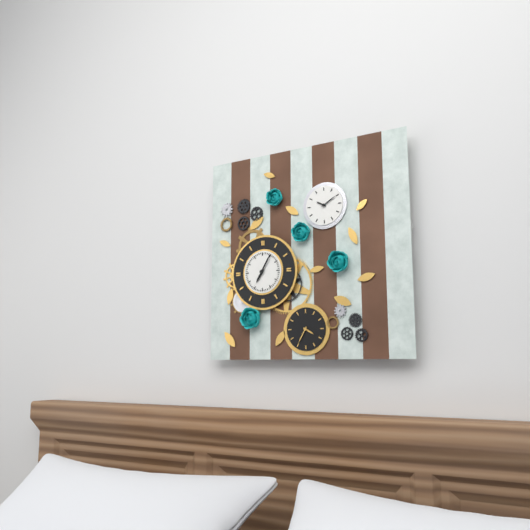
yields h=7 m=5
